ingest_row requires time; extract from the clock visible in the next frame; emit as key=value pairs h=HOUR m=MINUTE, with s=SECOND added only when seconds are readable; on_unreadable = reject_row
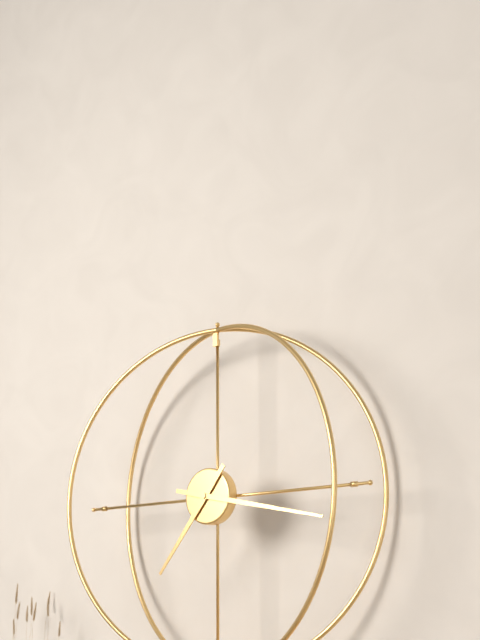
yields h=7 m=17
